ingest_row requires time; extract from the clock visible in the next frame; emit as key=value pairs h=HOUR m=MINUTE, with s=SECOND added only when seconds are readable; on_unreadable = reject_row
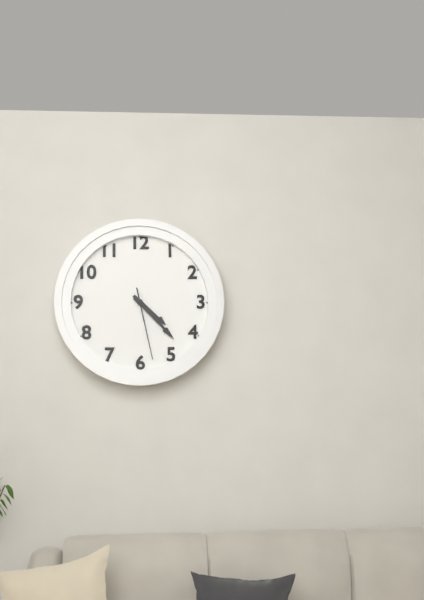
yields h=4 m=23 s=28
